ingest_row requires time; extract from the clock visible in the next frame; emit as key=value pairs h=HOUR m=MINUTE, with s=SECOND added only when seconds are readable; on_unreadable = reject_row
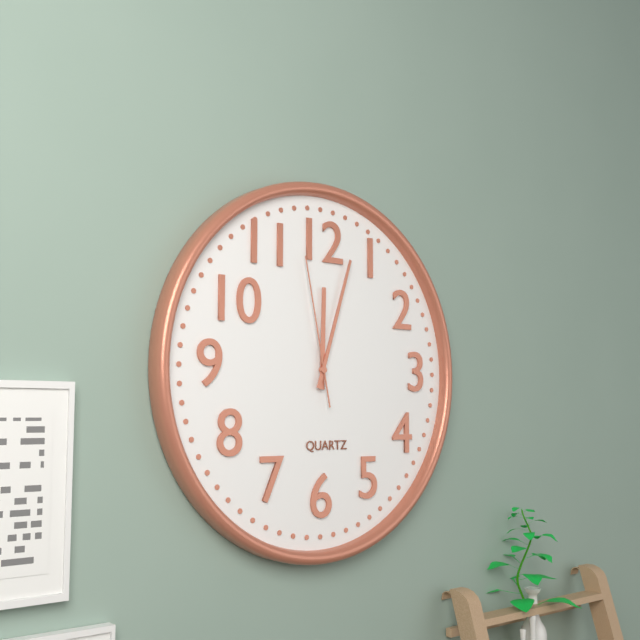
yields h=12 m=3 s=58
